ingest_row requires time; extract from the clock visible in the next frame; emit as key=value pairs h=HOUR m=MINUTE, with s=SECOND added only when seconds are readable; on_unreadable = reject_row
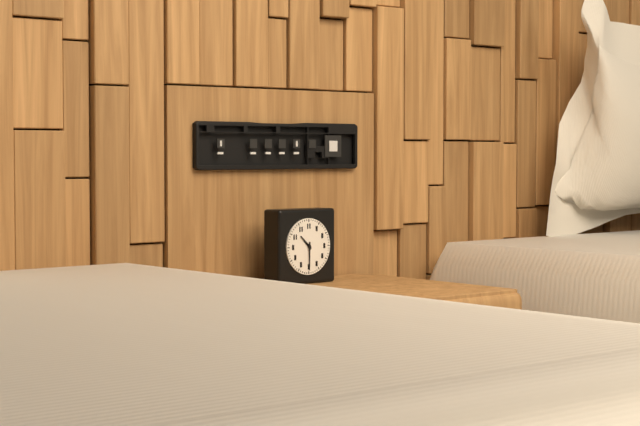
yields h=10 m=30
